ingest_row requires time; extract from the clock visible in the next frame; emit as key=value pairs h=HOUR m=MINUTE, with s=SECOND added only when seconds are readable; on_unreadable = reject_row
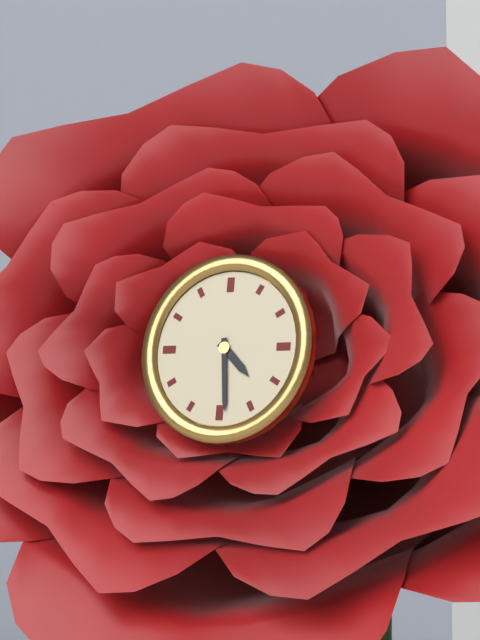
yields h=4 m=29
